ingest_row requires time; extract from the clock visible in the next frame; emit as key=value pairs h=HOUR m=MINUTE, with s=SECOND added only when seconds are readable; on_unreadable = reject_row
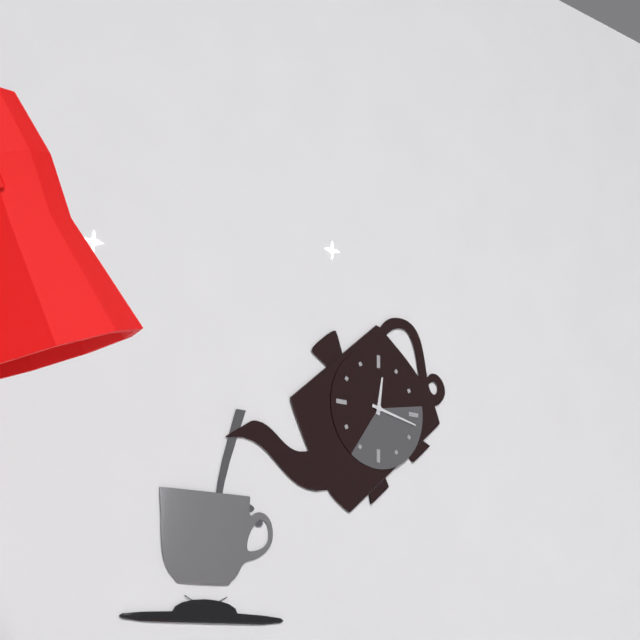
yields h=12 m=17
